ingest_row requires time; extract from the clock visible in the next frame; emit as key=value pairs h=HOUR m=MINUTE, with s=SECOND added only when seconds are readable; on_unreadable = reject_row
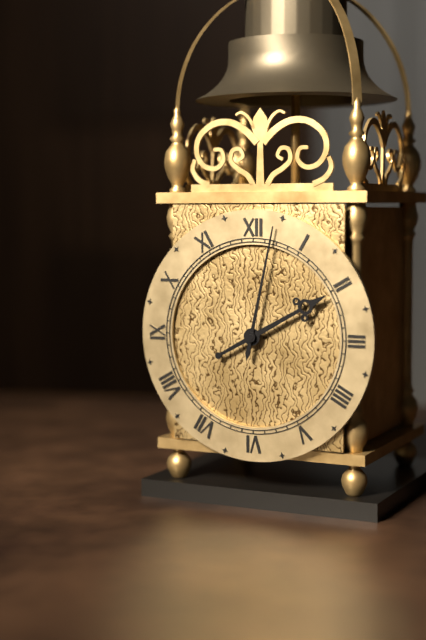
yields h=2 m=2
